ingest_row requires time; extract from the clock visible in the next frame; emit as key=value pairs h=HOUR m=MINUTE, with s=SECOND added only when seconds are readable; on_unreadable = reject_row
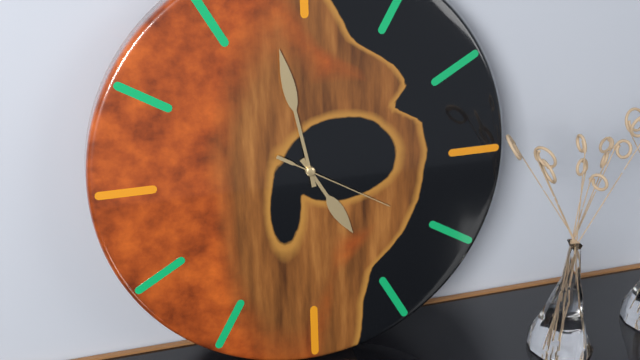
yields h=4 m=58 s=20
